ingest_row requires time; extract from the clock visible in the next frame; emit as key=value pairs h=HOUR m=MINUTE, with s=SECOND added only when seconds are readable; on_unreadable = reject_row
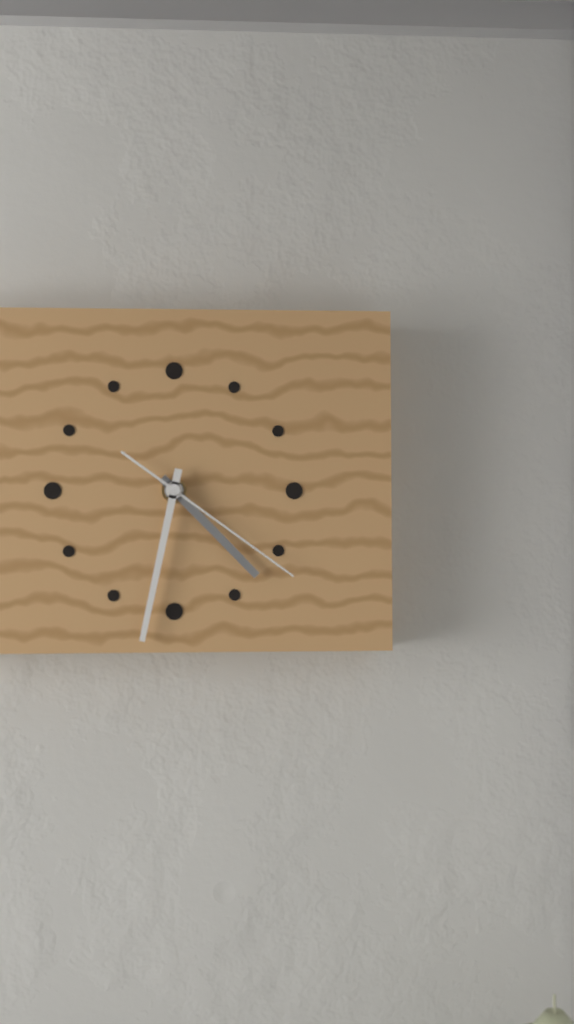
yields h=4 m=32 s=21
